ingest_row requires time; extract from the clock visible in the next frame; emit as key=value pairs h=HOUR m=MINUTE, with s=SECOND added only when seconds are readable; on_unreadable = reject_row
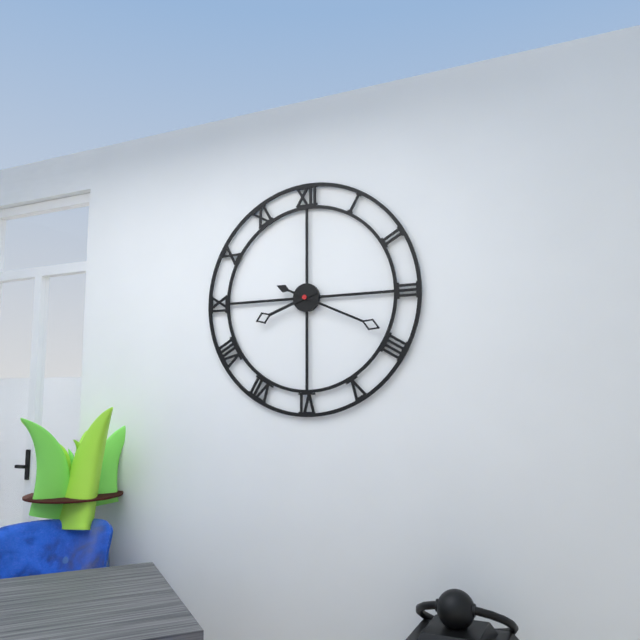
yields h=8 m=19
